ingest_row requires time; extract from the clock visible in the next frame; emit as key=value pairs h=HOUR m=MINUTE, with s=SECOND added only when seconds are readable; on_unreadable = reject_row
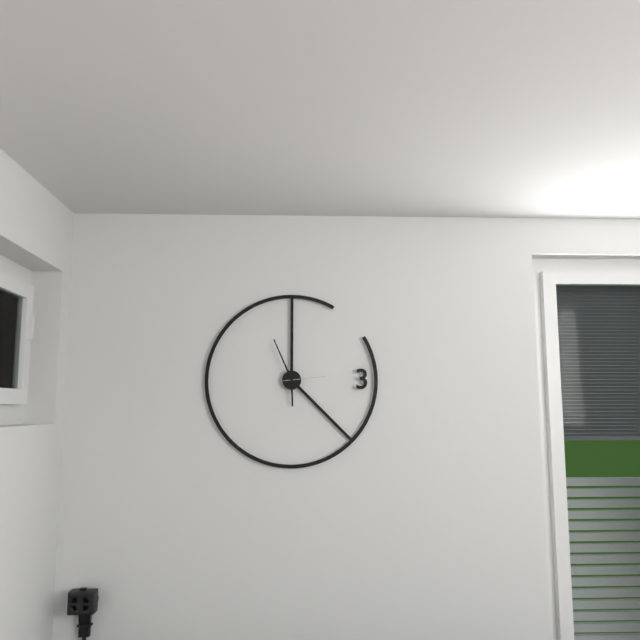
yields h=5 m=56
